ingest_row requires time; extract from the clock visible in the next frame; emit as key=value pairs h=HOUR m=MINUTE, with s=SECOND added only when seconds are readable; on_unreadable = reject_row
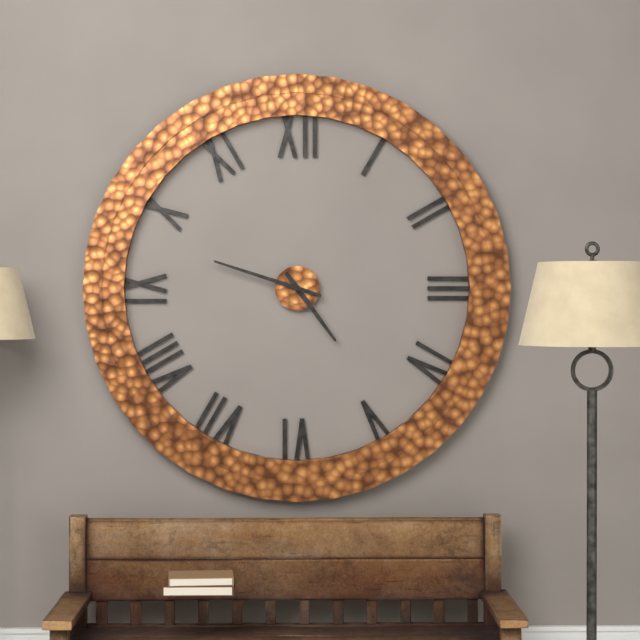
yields h=4 m=48
